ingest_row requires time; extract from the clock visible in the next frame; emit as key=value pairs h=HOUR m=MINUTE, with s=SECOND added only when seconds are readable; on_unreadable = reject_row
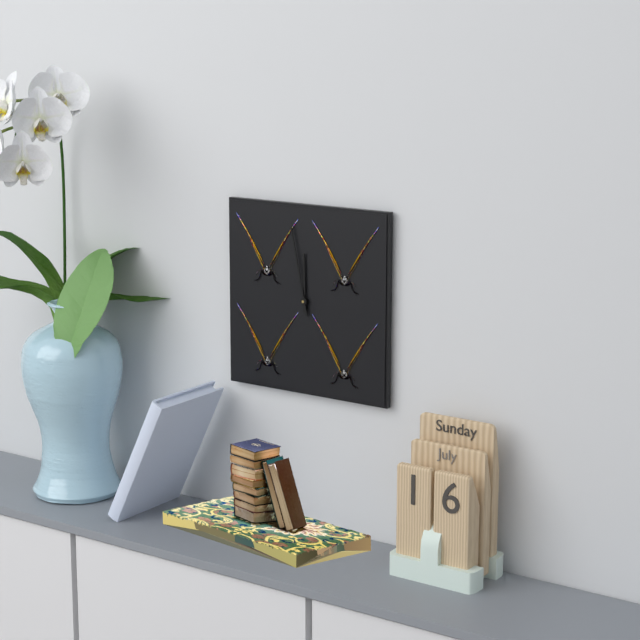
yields h=11 m=58
